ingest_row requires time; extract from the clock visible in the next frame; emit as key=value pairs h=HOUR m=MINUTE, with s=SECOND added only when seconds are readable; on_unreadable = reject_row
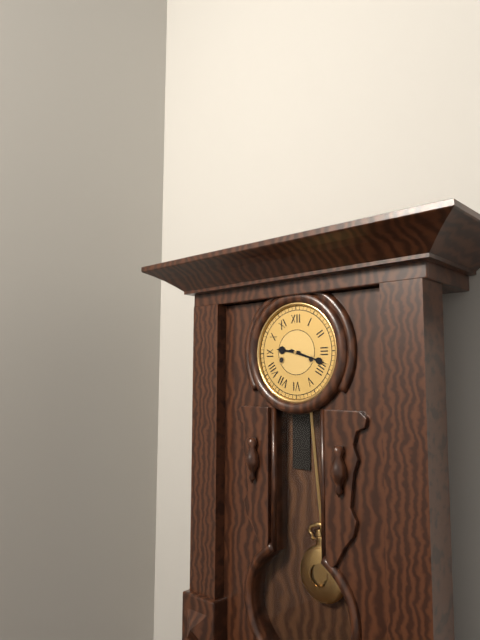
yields h=9 m=18
